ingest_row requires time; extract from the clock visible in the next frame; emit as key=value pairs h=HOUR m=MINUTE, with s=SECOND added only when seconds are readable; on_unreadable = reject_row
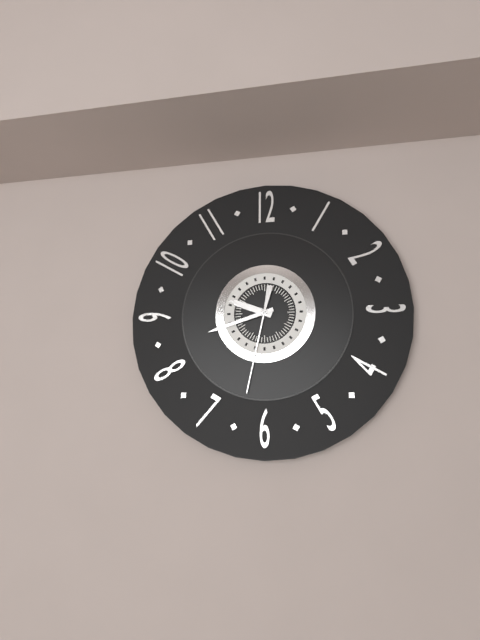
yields h=9 m=42 s=32
